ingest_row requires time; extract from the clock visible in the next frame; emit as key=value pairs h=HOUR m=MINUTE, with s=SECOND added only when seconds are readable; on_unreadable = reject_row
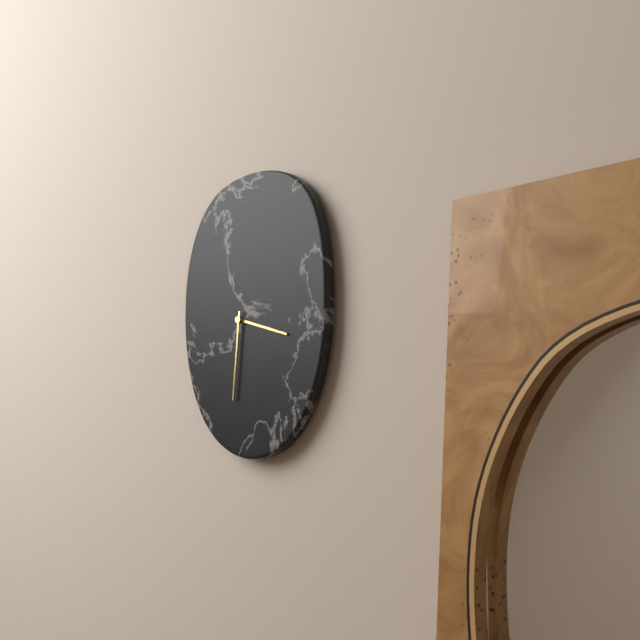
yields h=3 m=31
